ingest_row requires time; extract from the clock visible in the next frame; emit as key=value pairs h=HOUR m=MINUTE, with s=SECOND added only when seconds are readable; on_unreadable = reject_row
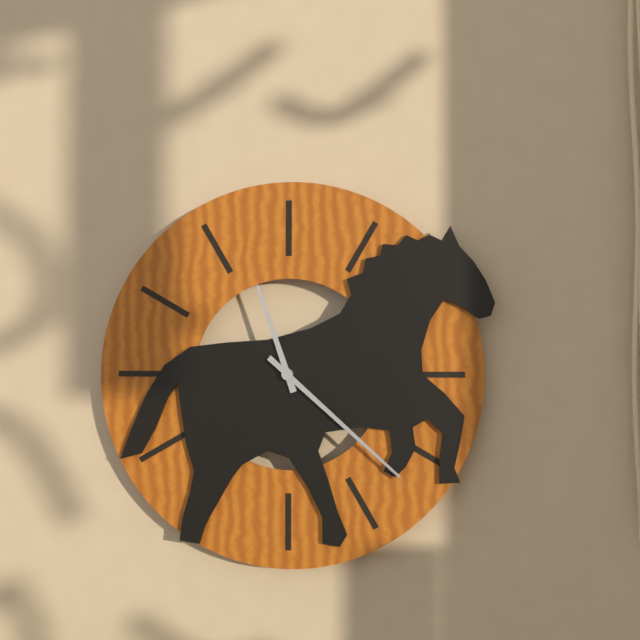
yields h=11 m=22
